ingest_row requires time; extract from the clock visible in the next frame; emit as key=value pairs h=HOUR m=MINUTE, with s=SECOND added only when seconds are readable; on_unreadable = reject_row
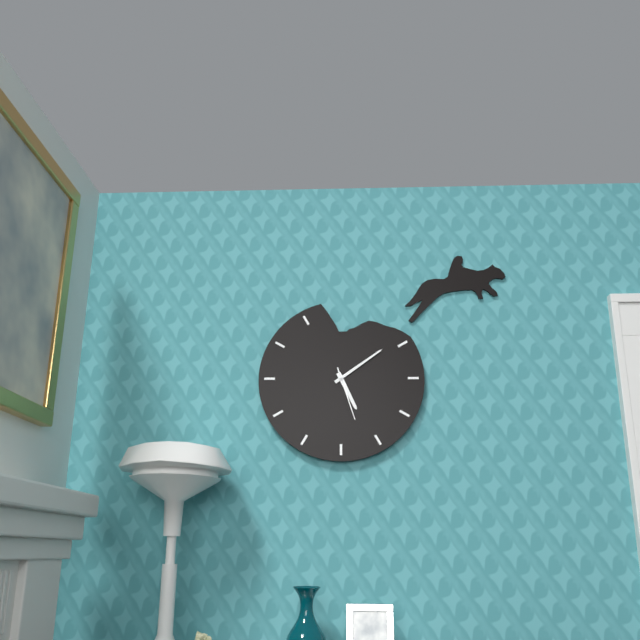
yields h=5 m=9 s=27
